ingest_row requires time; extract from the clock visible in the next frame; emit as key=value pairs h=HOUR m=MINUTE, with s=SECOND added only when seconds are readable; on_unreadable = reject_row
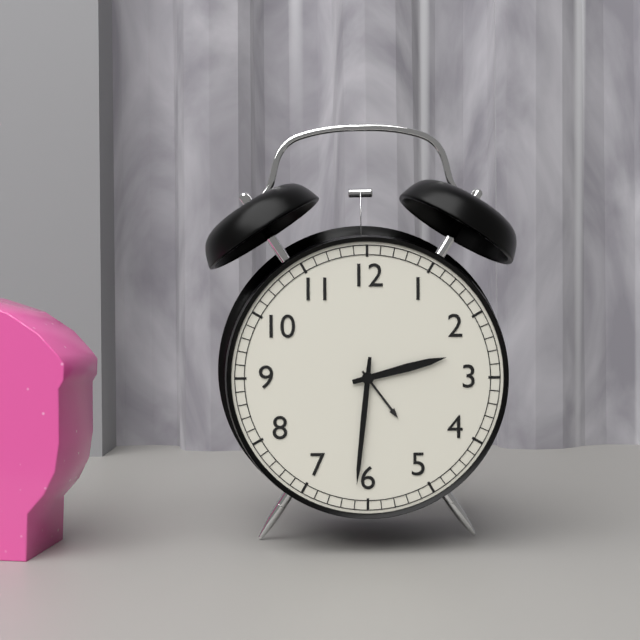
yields h=2 m=31
